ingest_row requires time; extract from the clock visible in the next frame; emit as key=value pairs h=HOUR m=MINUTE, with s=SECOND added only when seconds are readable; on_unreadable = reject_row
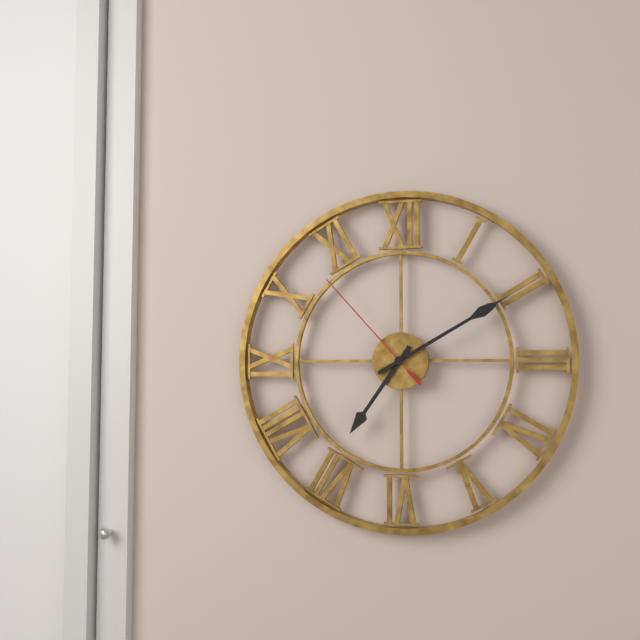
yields h=7 m=10 s=53
